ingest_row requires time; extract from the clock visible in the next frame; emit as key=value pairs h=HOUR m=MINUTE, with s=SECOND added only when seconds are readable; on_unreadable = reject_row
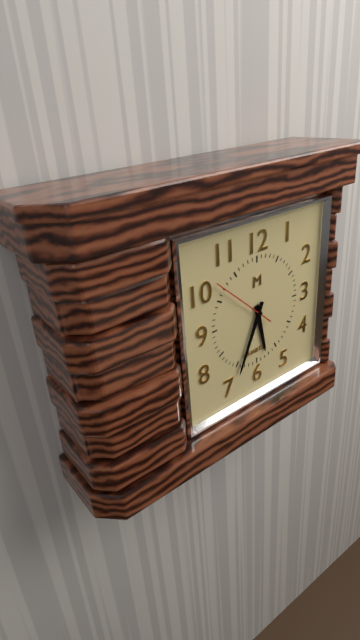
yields h=5 m=34 s=52
